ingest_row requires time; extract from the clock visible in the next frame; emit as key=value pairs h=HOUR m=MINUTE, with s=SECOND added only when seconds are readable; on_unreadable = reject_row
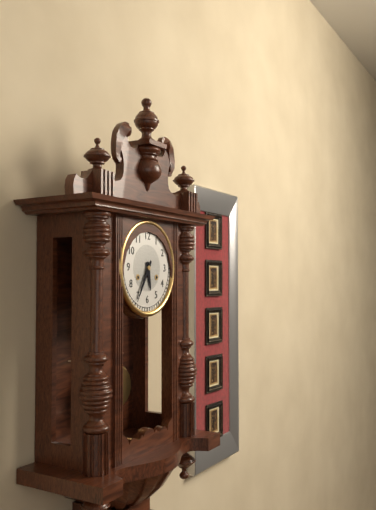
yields h=5 m=35
